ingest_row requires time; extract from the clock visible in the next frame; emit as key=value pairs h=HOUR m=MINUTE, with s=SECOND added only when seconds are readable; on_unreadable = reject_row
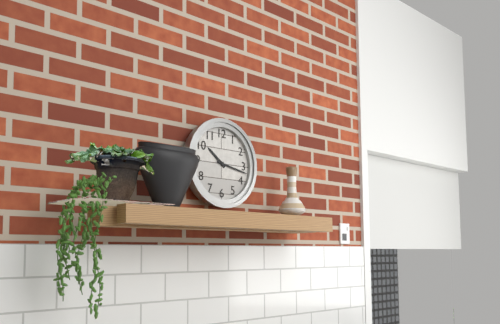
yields h=10 m=17
